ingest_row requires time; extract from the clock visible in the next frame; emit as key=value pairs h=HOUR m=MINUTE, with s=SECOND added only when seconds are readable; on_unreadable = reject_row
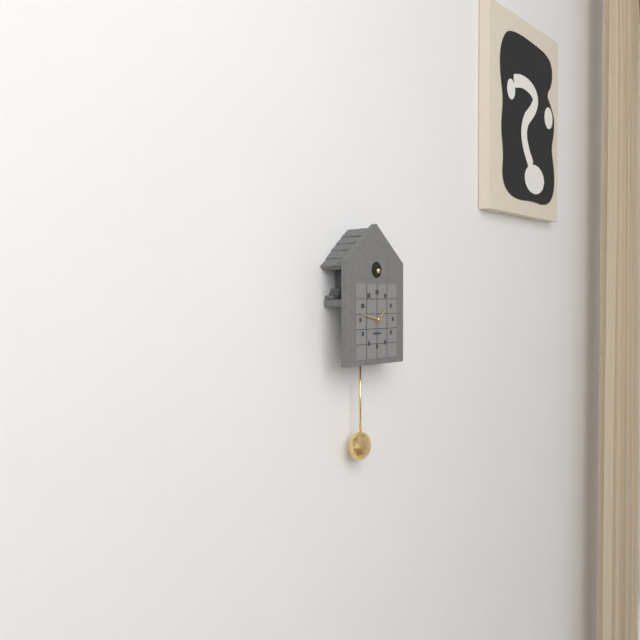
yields h=1 m=47
